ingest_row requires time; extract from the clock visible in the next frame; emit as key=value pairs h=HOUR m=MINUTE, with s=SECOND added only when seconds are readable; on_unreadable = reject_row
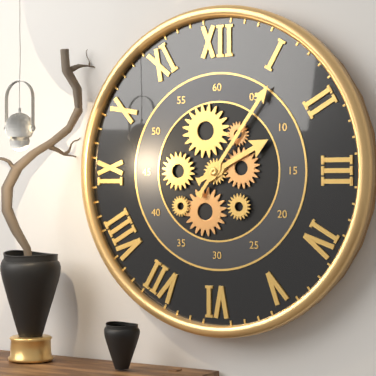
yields h=2 m=6
